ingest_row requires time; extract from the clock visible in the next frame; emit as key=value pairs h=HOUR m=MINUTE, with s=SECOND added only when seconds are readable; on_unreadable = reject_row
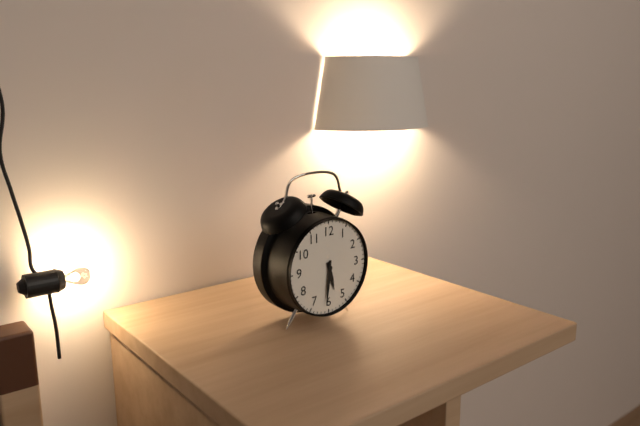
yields h=5 m=31
